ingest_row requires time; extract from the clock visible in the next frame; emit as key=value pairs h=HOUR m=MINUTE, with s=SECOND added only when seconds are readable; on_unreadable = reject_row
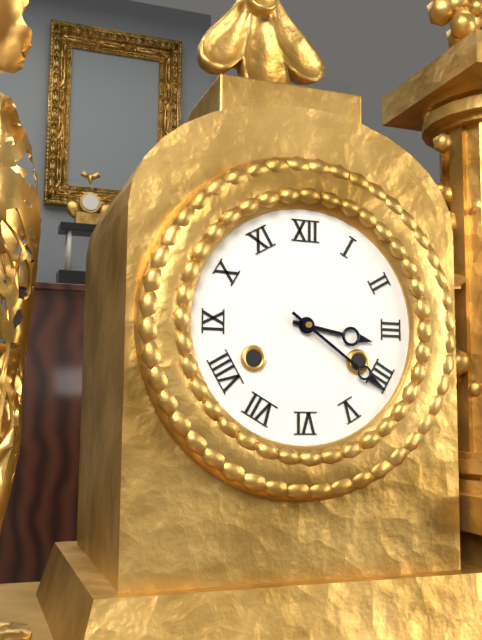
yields h=3 m=21
